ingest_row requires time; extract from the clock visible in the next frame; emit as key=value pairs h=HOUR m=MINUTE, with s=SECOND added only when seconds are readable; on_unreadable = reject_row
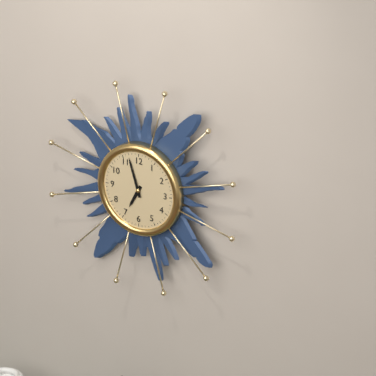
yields h=6 m=57
